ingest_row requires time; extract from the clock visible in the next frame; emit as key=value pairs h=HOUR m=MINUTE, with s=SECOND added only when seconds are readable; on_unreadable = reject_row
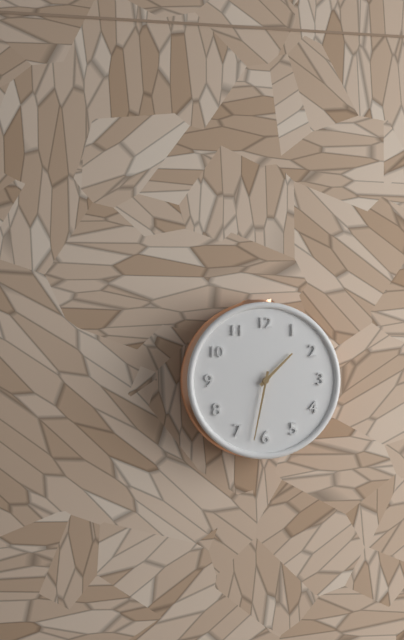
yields h=1 m=32
